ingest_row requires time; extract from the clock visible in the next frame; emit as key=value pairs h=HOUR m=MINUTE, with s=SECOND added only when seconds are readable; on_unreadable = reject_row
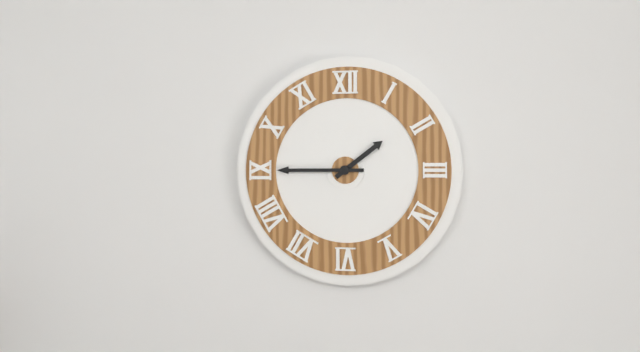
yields h=1 m=45
